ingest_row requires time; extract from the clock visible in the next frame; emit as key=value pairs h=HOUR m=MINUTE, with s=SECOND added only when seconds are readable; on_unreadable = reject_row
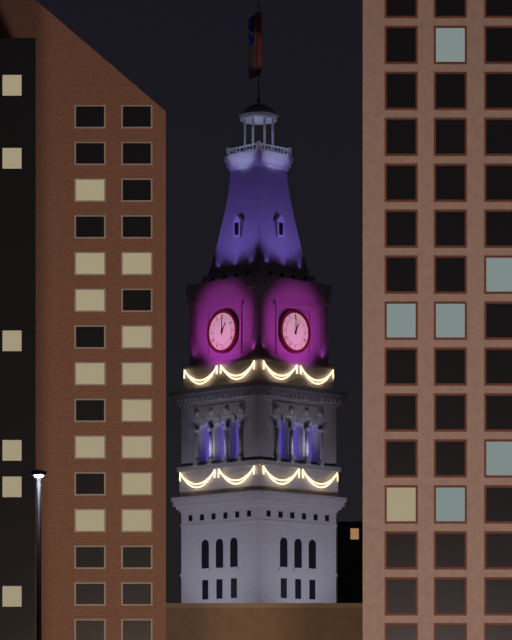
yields h=1 m=0
